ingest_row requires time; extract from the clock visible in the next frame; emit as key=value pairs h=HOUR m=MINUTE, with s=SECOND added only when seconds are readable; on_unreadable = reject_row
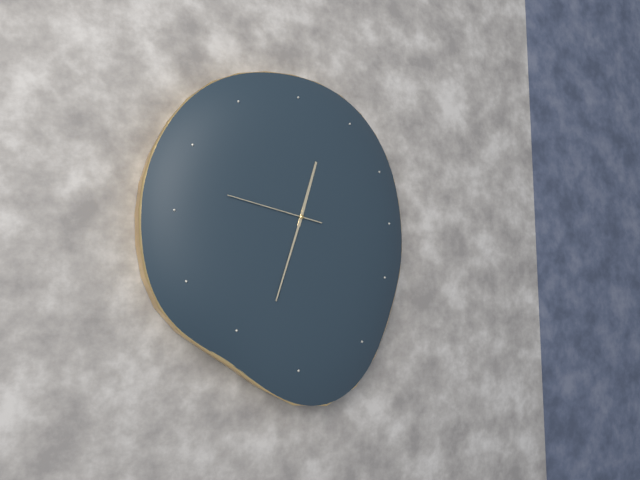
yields h=12 m=33 s=47
